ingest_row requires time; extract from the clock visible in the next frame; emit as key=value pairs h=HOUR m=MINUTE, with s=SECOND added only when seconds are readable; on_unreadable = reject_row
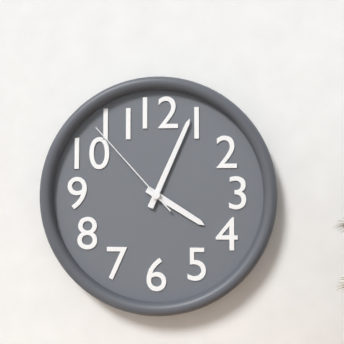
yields h=4 m=4 s=53
